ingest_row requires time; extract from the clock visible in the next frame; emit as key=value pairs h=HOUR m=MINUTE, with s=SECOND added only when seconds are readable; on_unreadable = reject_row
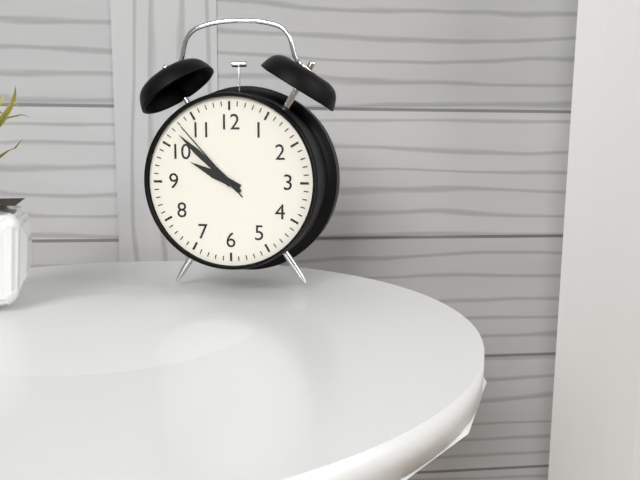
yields h=9 m=52 s=53
